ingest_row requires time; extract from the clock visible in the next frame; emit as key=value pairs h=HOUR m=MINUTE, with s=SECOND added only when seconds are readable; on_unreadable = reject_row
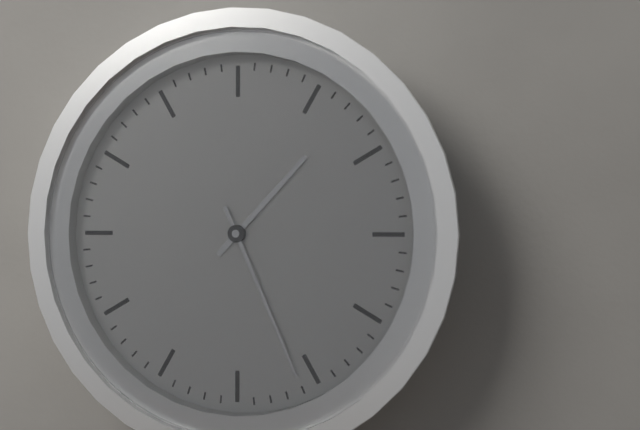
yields h=1 m=26
